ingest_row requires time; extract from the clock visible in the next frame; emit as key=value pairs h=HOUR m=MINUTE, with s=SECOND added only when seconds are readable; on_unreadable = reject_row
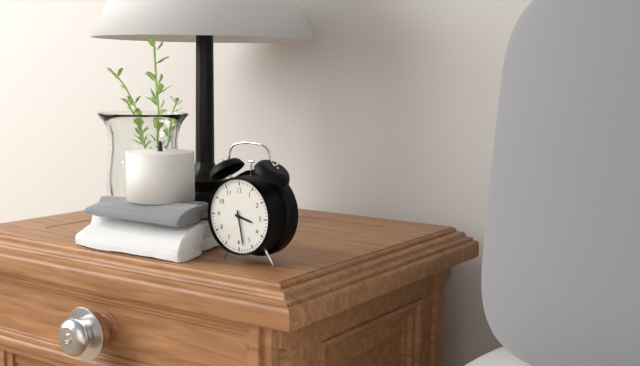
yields h=3 m=28
